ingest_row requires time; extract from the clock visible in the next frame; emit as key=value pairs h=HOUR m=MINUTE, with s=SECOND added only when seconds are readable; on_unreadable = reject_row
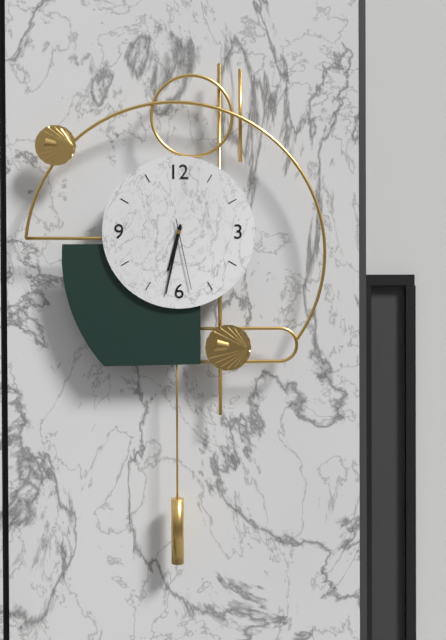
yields h=6 m=32 s=28
